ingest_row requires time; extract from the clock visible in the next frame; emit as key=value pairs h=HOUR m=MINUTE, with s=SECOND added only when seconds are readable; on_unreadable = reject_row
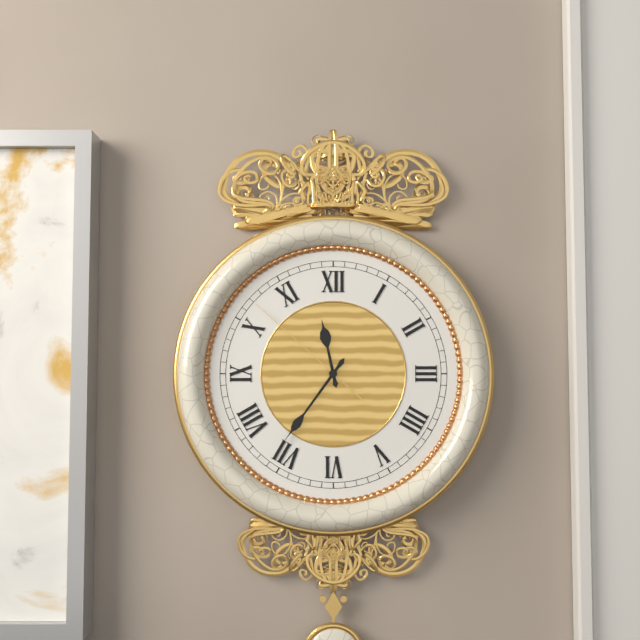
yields h=11 m=36 s=52
